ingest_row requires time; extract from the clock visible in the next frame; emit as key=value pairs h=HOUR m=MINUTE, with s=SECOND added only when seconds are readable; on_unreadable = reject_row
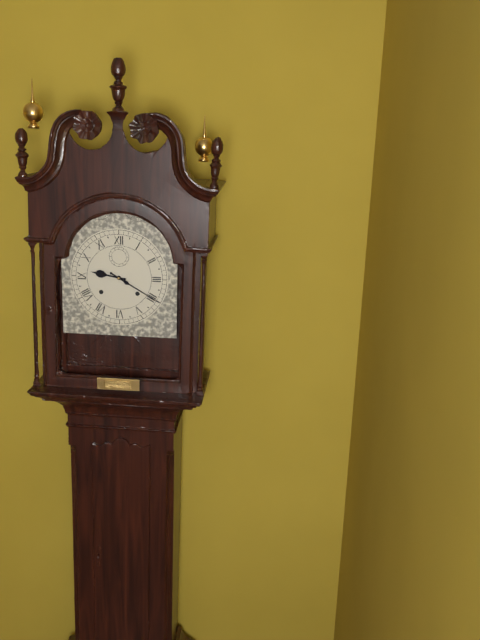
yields h=9 m=20
